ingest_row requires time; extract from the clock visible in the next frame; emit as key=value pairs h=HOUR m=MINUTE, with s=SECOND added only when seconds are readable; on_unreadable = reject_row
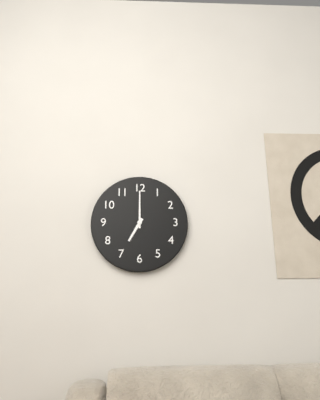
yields h=7 m=0
